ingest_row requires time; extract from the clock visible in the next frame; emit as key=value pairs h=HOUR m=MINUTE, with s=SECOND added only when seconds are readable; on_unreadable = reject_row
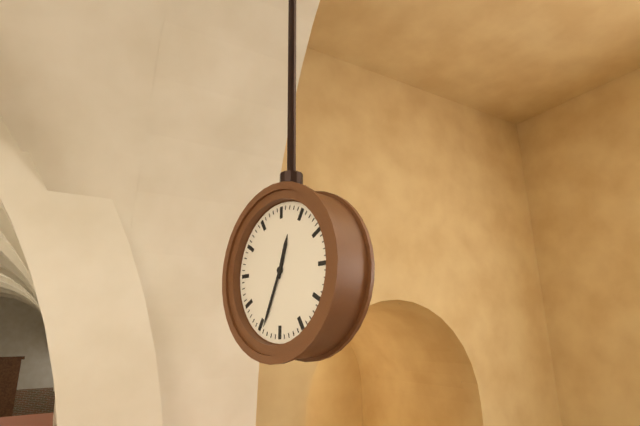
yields h=12 m=34
